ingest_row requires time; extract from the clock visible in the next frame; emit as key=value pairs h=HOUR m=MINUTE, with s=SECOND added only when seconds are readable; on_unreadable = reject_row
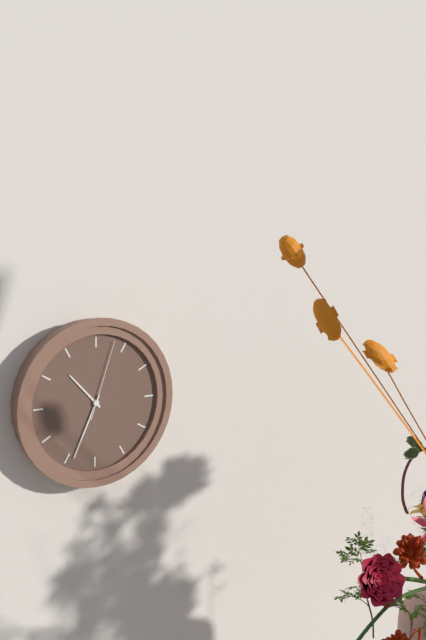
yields h=10 m=34 s=3
